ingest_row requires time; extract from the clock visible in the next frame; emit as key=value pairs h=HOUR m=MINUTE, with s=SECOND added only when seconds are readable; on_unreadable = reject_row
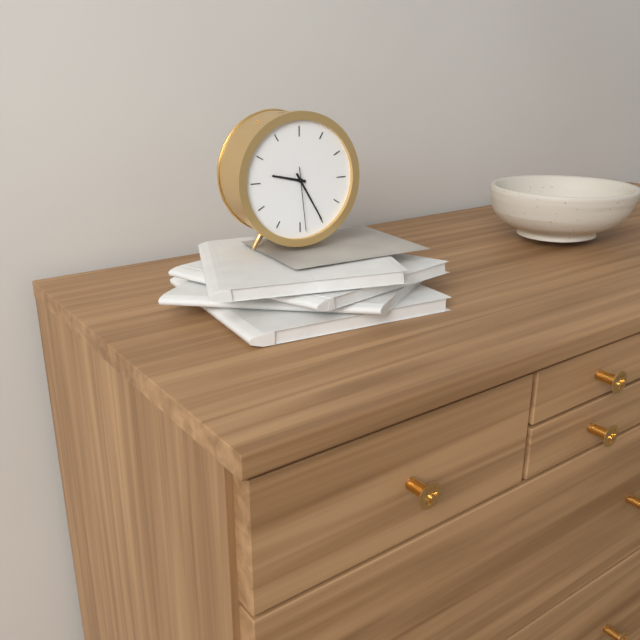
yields h=9 m=25 s=29
